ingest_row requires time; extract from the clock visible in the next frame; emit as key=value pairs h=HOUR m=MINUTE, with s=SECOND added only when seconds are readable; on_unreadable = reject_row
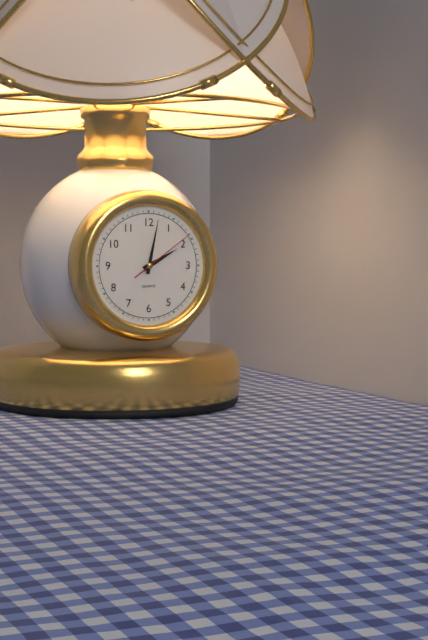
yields h=2 m=2 s=9
